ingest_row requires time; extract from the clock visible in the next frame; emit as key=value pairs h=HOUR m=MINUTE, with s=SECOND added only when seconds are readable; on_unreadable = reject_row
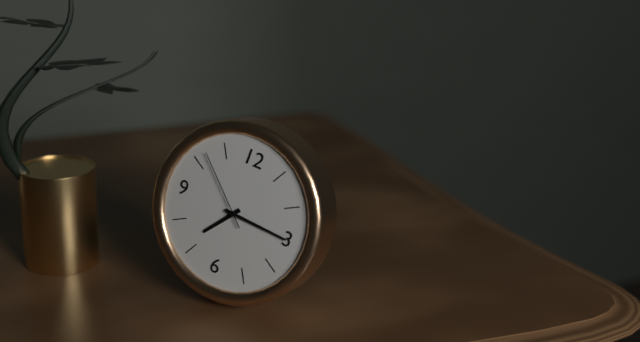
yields h=7 m=15 s=52
